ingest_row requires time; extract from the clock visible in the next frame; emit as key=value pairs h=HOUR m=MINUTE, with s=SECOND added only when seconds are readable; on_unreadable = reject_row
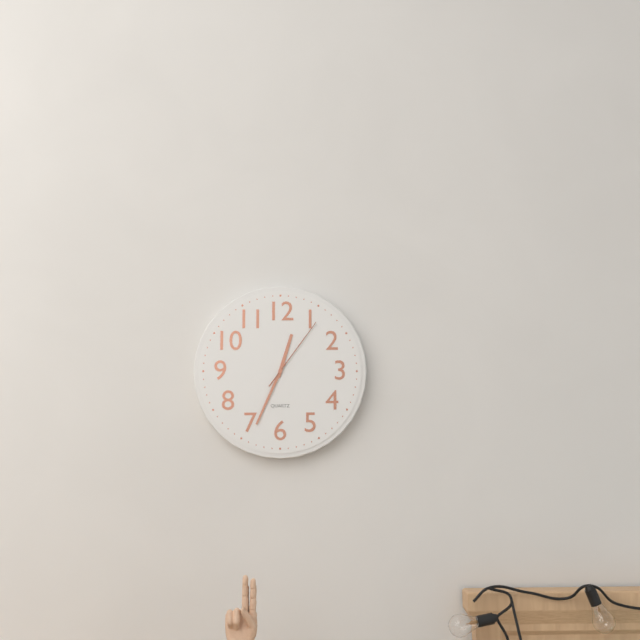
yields h=12 m=34 s=6
